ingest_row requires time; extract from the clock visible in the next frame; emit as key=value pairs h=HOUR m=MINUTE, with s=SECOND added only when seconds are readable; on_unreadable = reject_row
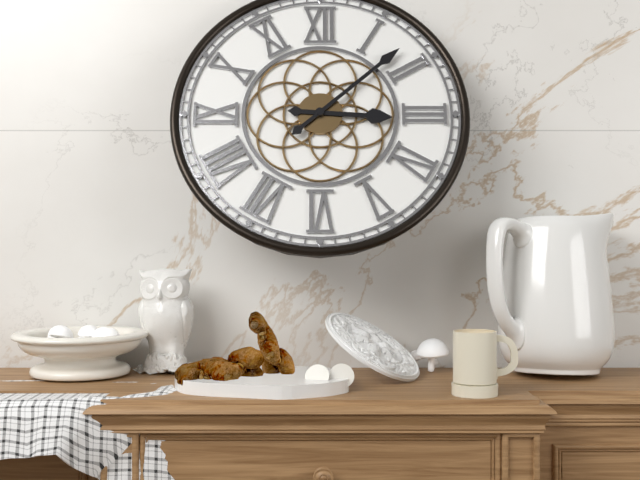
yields h=3 m=8
